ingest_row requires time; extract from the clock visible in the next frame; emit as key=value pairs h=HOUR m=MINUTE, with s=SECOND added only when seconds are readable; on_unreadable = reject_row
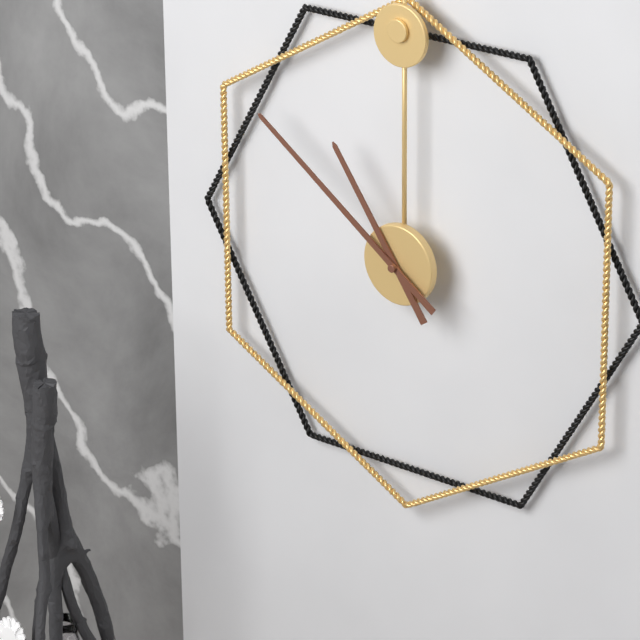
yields h=10 m=51
